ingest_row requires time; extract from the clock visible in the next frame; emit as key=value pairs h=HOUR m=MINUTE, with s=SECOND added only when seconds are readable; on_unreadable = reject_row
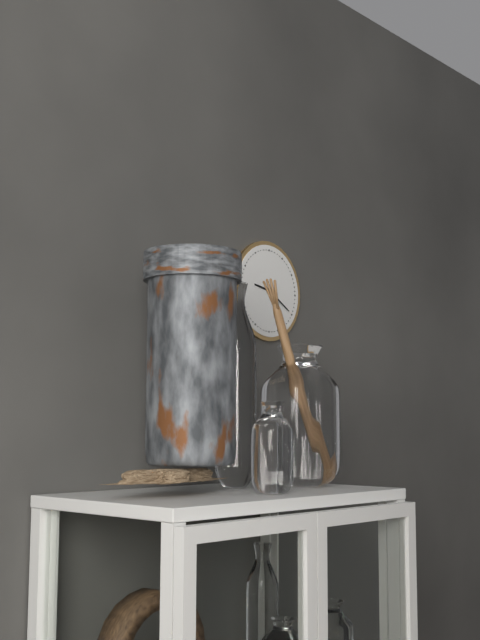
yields h=9 m=20
